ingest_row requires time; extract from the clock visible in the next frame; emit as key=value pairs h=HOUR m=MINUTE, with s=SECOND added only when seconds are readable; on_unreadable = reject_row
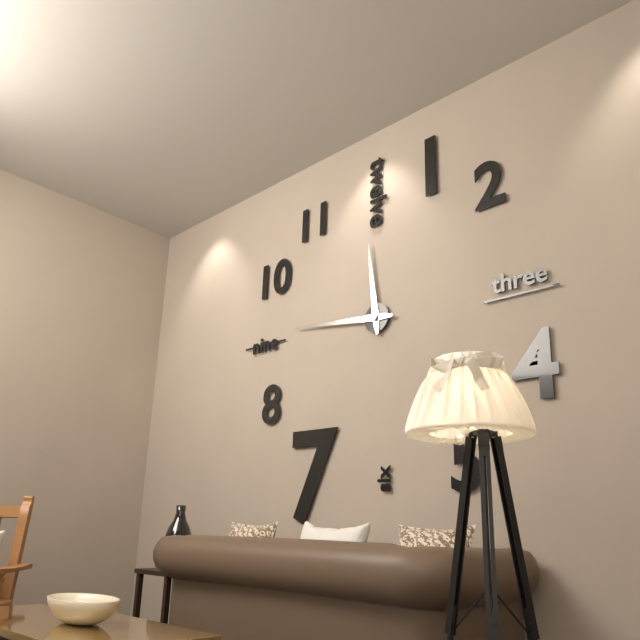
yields h=11 m=46
